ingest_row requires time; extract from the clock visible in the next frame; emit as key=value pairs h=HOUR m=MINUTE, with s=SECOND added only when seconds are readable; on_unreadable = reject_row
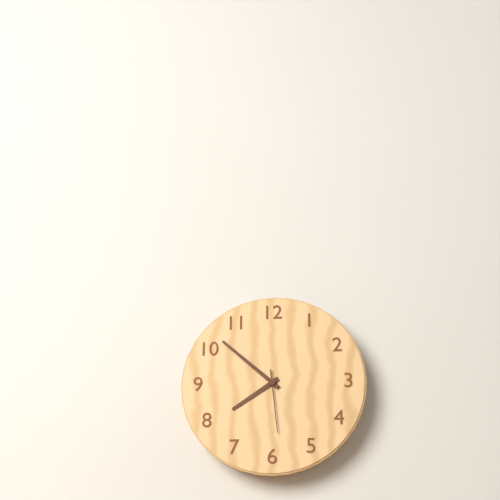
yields h=7 m=52 s=29
